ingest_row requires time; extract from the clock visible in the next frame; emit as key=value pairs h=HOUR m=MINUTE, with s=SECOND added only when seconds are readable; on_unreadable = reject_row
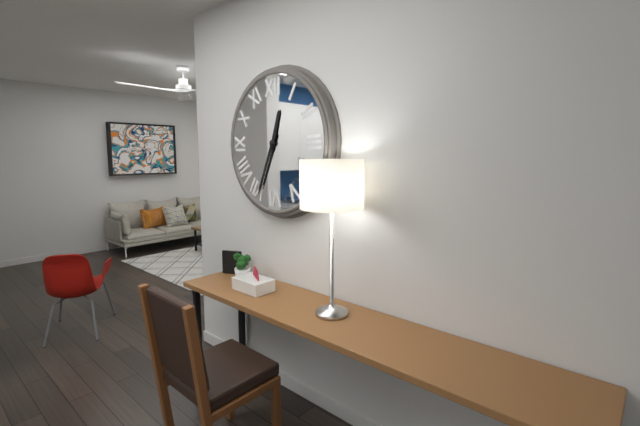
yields h=12 m=34
